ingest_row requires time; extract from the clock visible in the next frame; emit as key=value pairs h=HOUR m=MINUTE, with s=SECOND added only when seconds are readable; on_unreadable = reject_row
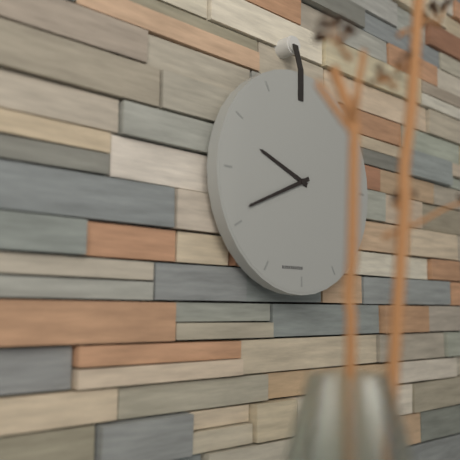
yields h=9 m=41
